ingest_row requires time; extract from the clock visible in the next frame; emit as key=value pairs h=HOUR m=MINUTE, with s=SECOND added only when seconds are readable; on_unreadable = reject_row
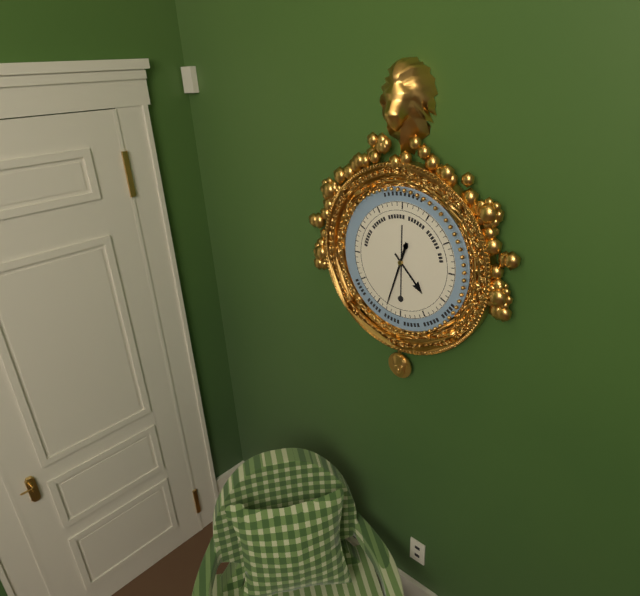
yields h=4 m=33
